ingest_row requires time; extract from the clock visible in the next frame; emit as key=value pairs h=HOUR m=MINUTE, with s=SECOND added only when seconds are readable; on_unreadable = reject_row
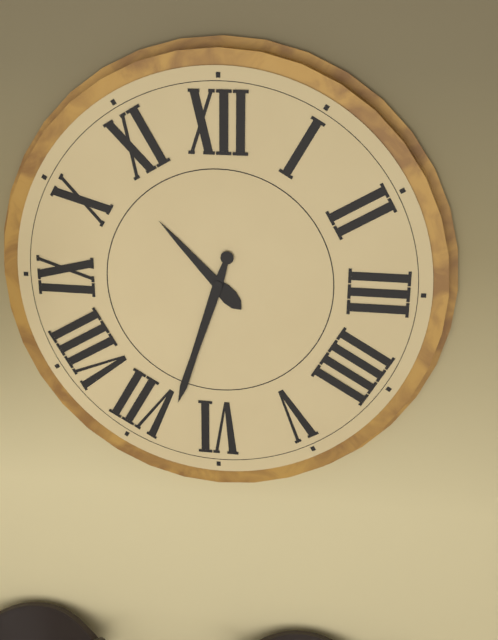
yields h=10 m=33
